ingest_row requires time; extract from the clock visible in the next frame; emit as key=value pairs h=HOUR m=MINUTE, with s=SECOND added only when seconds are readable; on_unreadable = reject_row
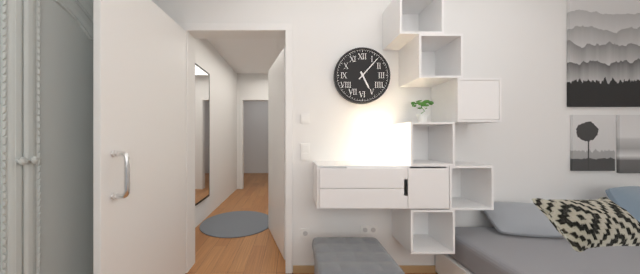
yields h=5 m=7
